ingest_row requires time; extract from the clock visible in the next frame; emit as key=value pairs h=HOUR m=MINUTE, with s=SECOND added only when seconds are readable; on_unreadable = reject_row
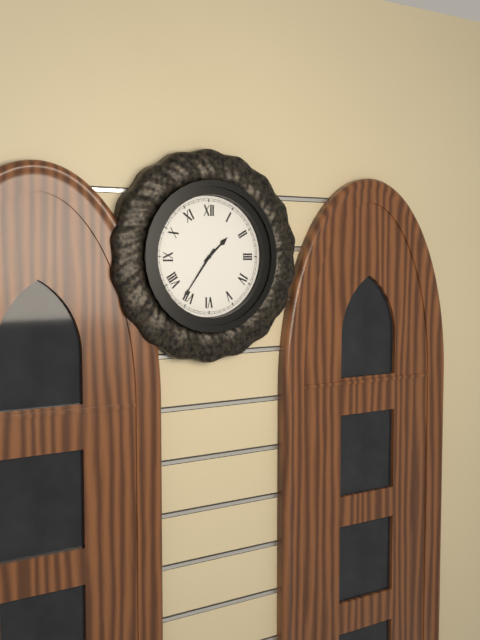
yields h=1 m=36
